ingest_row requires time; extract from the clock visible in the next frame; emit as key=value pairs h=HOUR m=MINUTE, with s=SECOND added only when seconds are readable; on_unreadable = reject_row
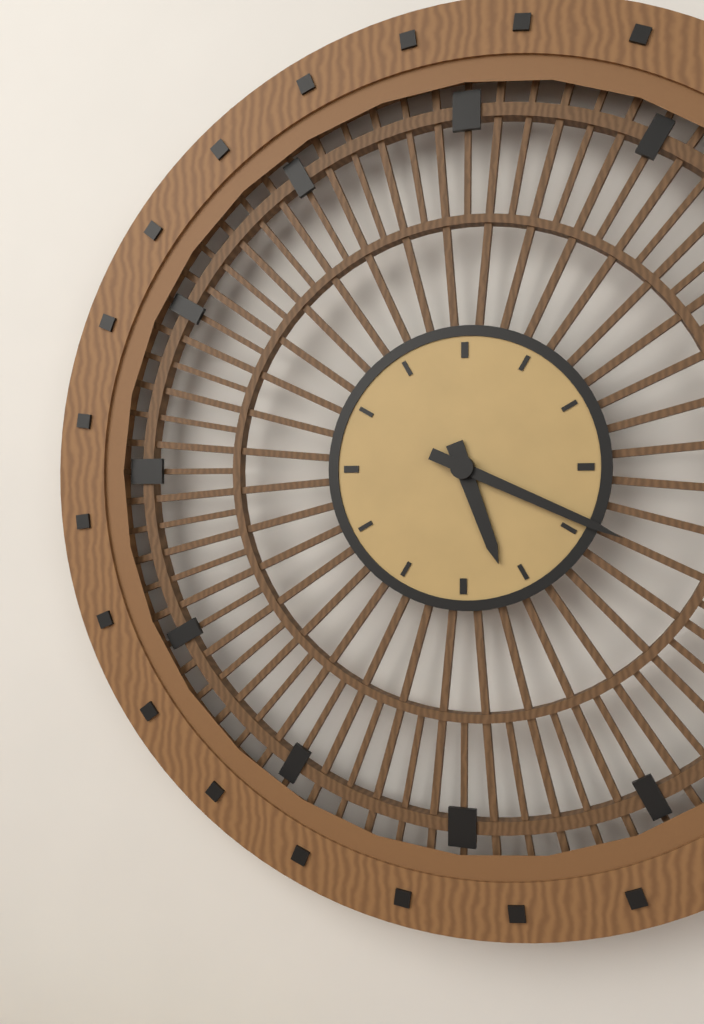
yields h=5 m=19
